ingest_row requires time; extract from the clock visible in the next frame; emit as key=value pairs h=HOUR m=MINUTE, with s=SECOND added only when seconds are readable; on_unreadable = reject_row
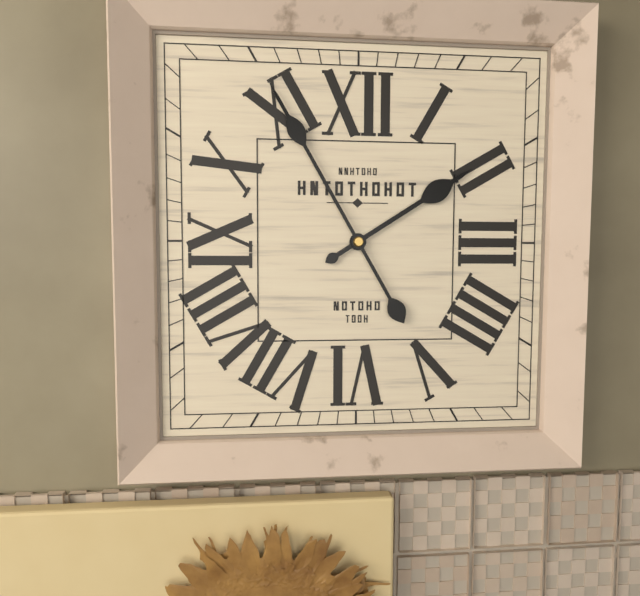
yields h=1 m=55
